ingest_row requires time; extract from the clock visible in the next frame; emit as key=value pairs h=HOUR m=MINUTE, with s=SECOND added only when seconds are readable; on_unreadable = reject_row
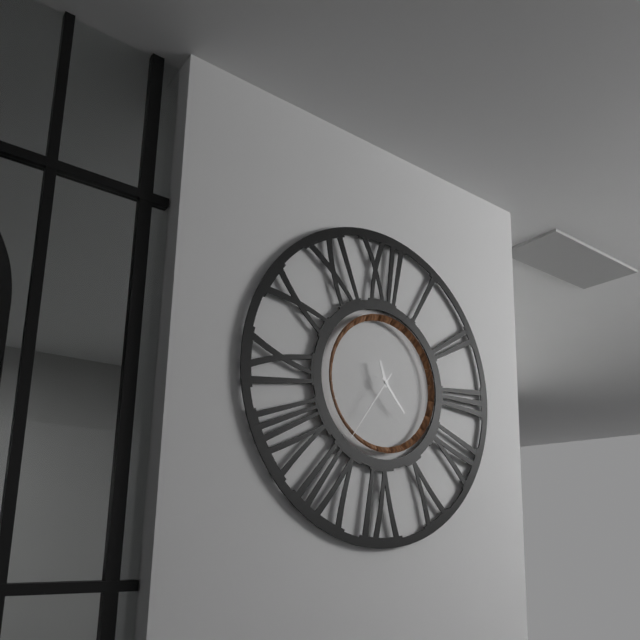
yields h=11 m=23 s=36
